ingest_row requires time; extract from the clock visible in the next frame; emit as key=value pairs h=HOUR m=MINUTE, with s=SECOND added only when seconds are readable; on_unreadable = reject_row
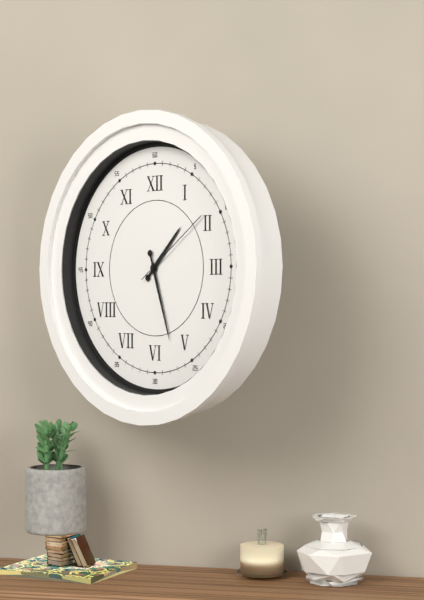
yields h=1 m=27 s=9
